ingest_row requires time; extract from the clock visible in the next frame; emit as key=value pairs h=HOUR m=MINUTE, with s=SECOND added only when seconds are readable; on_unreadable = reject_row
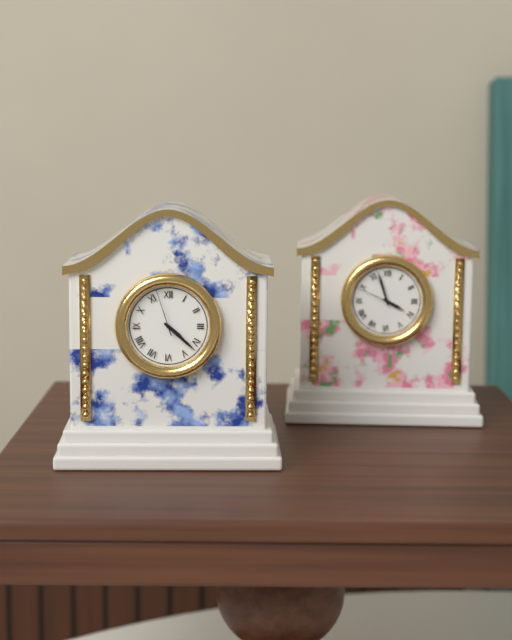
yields h=4 m=22
